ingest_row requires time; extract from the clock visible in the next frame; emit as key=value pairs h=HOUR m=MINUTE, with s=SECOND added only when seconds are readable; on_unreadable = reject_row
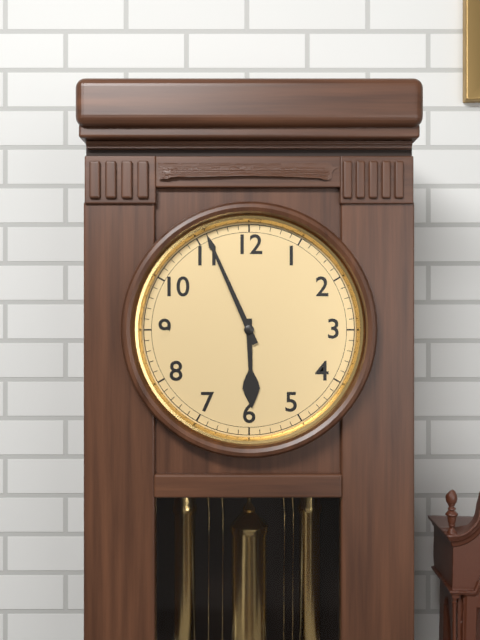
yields h=5 m=56
